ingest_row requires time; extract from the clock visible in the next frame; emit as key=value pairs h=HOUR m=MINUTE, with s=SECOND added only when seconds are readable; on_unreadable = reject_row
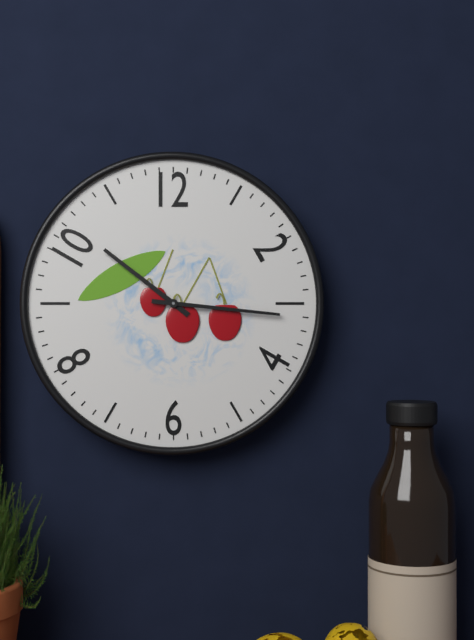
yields h=10 m=16
